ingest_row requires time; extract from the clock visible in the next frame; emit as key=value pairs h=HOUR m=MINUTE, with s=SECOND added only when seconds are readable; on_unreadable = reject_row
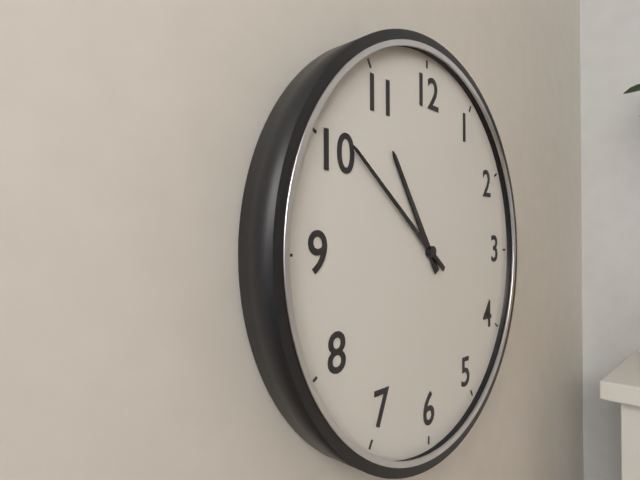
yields h=10 m=51
